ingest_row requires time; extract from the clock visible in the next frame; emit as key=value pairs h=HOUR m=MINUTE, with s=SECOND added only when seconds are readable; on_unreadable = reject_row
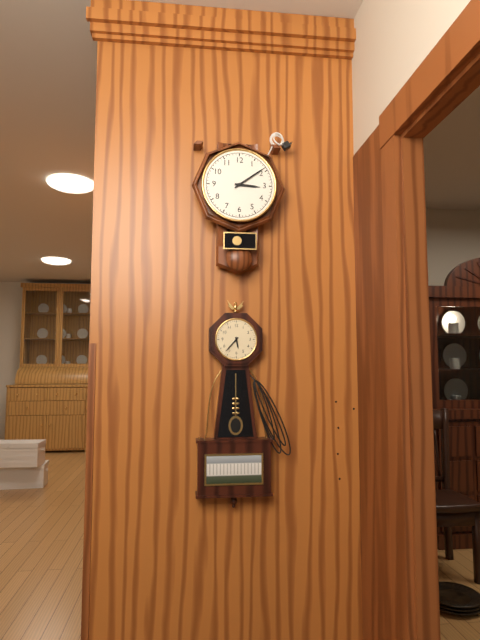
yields h=3 m=9
